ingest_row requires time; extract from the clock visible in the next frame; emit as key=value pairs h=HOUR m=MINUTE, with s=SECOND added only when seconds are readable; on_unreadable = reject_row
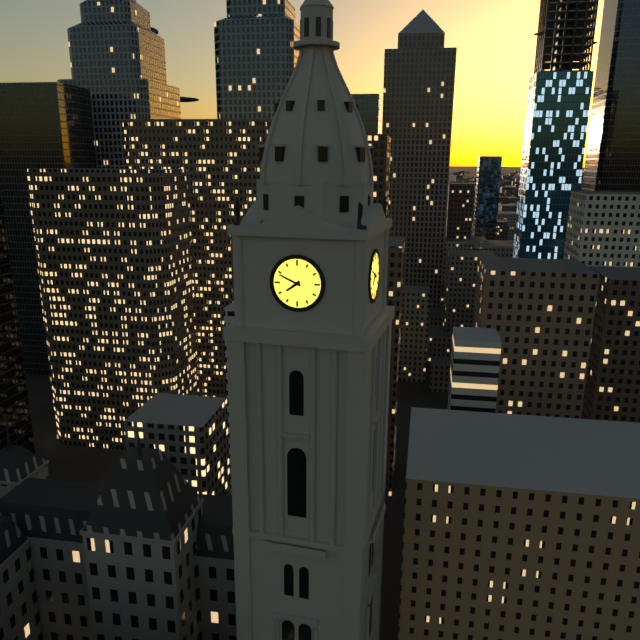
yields h=7 m=49
